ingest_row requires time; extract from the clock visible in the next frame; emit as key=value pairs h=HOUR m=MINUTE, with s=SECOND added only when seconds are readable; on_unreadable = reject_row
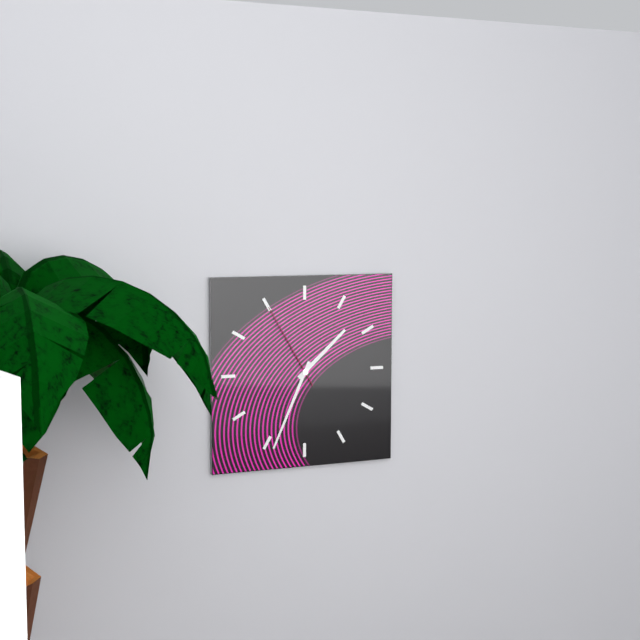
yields h=1 m=34 s=55
